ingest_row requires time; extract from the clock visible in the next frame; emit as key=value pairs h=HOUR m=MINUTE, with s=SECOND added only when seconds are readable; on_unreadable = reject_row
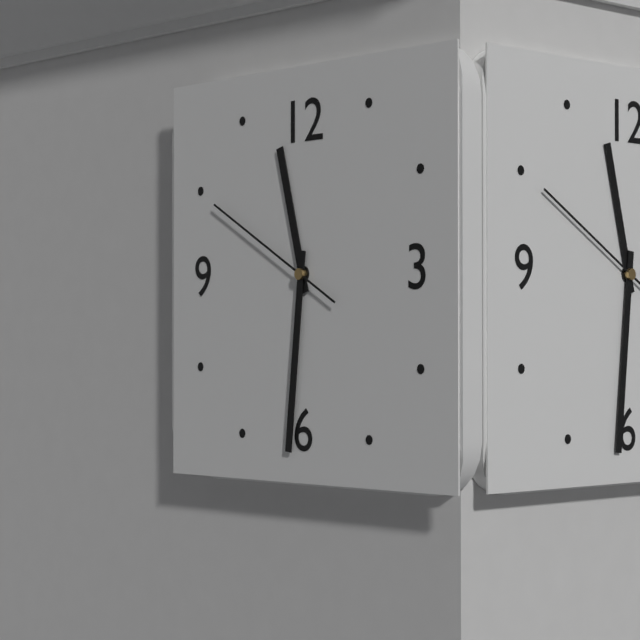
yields h=11 m=31 s=50
